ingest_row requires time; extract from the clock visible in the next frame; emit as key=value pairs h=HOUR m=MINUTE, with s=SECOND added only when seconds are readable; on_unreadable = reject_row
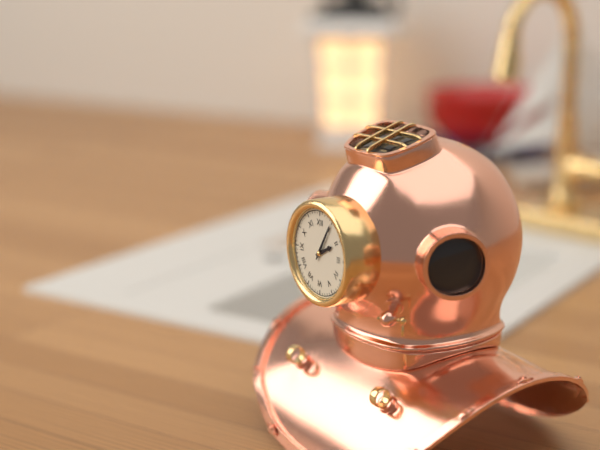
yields h=2 m=5
